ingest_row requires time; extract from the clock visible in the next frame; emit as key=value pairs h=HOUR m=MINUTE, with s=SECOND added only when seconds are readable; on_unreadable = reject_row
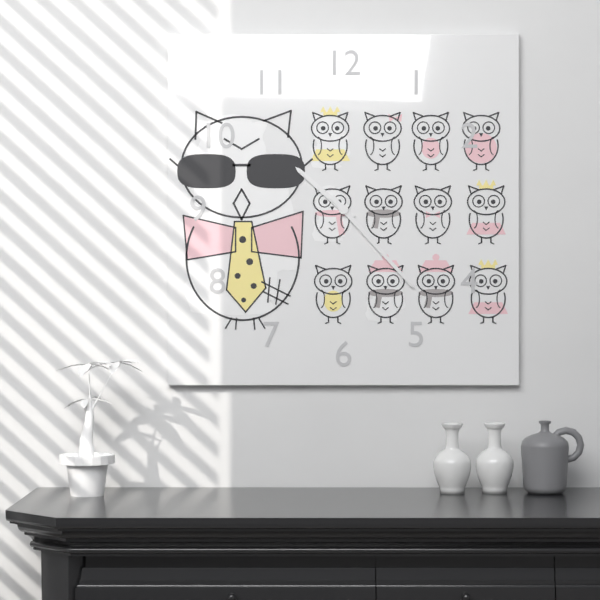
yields h=10 m=23
